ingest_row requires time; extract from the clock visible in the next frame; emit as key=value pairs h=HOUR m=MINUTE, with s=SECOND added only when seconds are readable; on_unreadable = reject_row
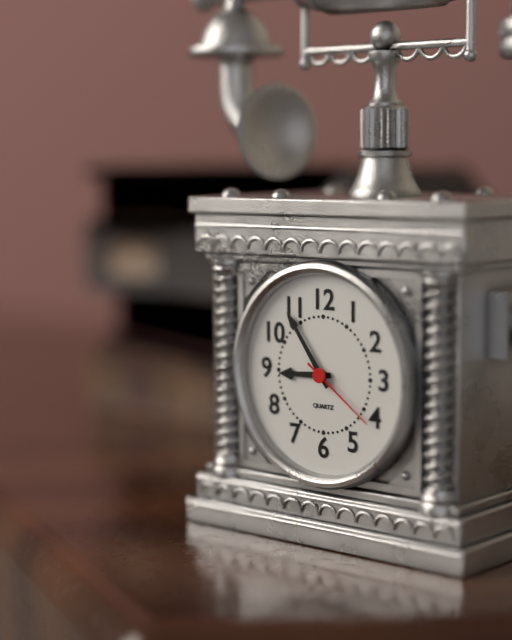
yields h=8 m=54 s=21
